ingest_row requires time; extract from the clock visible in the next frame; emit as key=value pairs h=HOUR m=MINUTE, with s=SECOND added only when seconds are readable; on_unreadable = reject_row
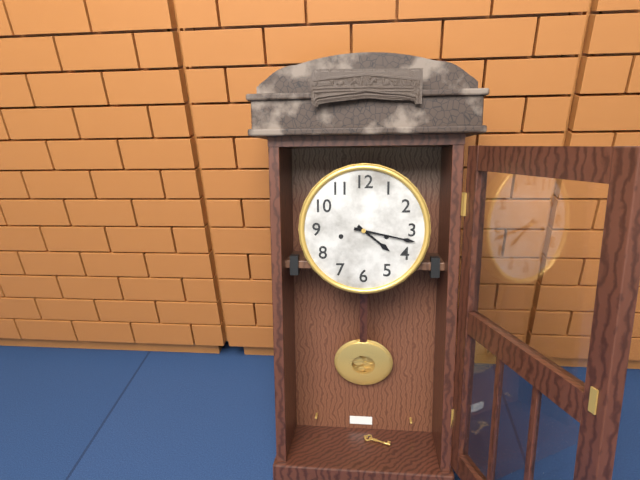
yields h=4 m=17
